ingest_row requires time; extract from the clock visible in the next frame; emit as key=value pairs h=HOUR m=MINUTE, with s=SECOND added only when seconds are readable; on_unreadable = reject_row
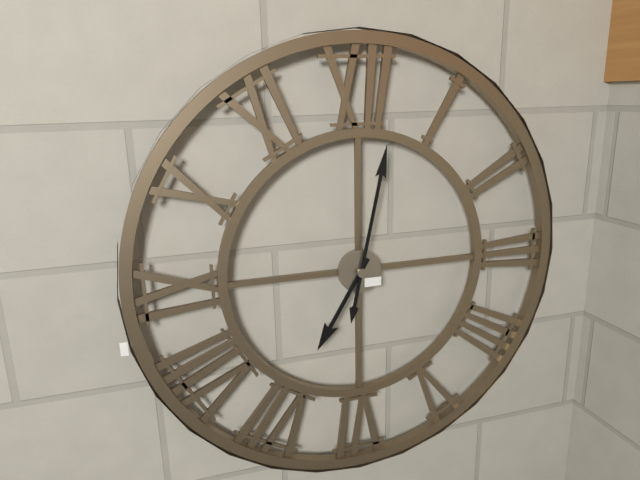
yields h=7 m=2
